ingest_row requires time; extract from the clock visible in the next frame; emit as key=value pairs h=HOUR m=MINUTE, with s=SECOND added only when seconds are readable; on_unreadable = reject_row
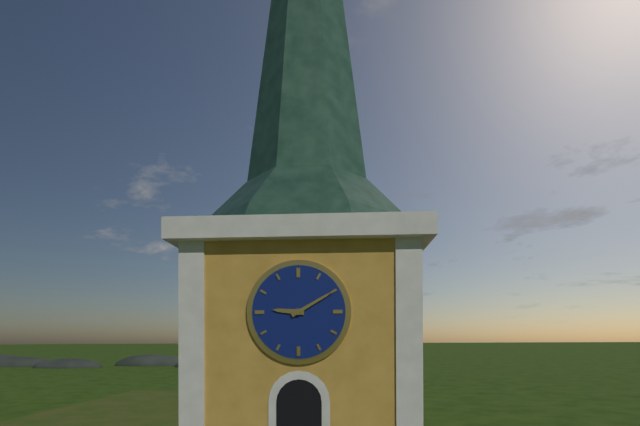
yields h=9 m=10
